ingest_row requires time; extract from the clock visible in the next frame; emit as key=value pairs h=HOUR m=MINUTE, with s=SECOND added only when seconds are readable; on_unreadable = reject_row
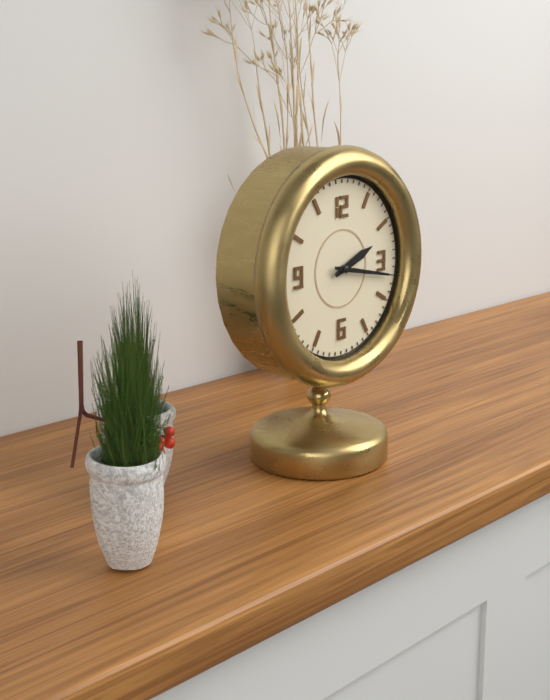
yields h=2 m=17
